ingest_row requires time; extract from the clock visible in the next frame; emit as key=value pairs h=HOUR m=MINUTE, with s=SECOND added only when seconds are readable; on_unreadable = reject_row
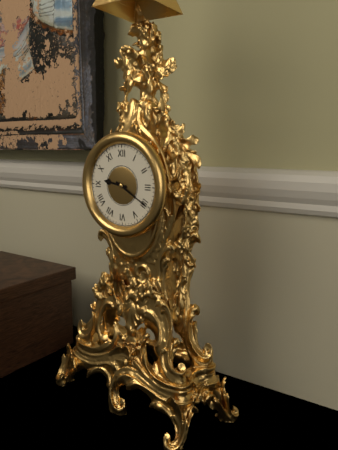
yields h=9 m=20
